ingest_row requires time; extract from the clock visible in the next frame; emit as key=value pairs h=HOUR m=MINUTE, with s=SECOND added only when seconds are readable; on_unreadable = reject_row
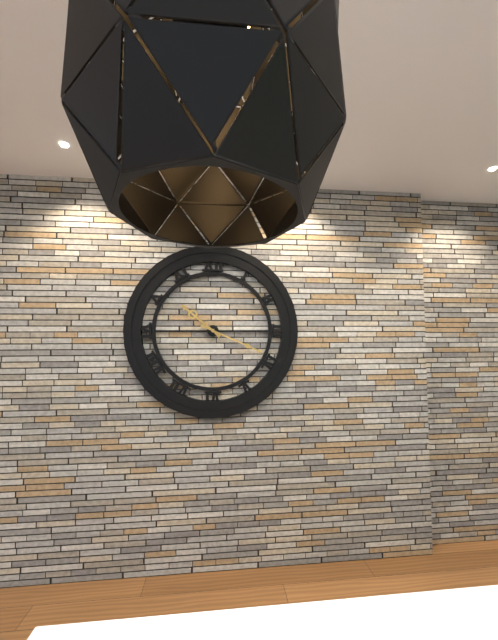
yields h=10 m=19
